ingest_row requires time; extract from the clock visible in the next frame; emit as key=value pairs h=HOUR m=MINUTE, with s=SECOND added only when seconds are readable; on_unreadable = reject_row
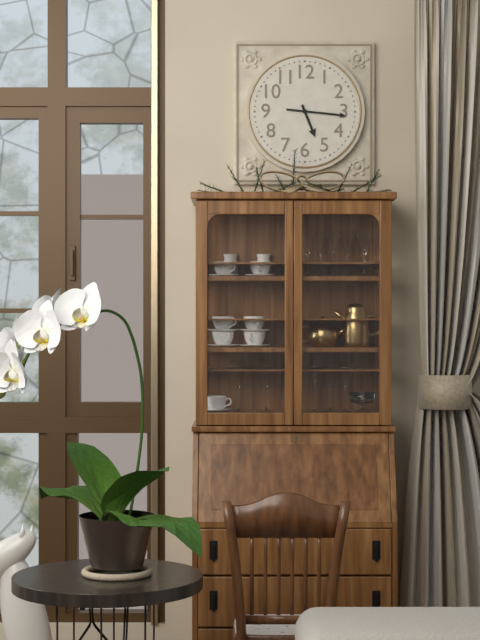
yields h=5 m=16
